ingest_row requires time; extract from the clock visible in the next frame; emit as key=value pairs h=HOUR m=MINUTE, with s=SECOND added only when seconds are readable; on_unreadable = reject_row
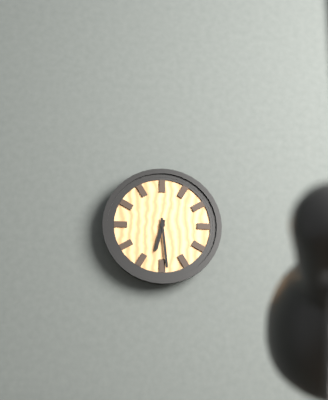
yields h=6 m=29
